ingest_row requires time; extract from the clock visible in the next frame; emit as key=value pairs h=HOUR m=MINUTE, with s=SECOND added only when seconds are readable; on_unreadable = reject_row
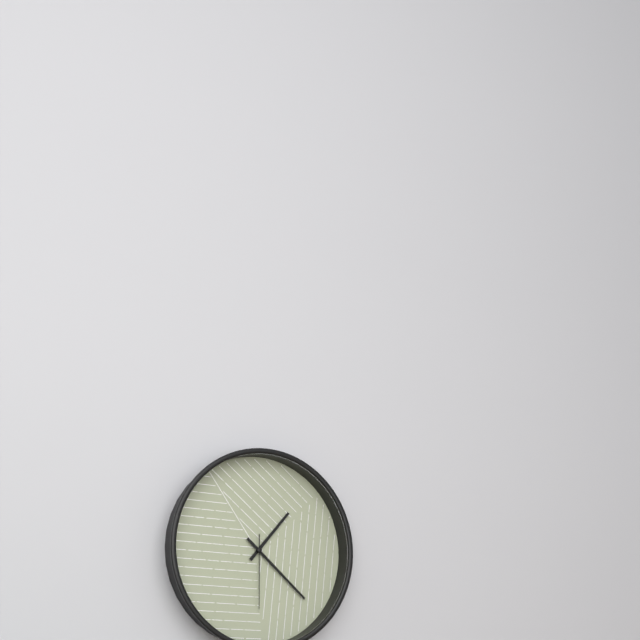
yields h=1 m=22 s=30
